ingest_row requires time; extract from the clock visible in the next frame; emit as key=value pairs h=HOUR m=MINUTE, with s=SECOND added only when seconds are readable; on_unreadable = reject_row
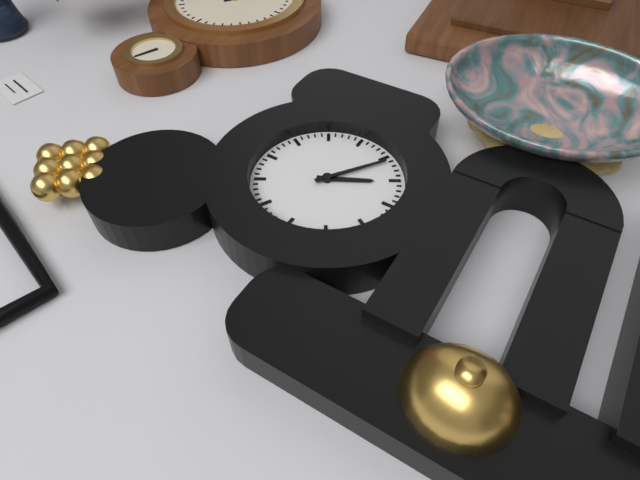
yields h=2 m=6
